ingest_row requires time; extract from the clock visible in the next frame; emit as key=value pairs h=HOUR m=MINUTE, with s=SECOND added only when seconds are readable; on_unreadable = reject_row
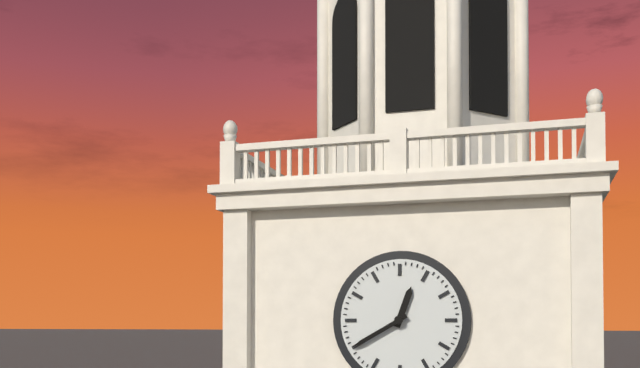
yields h=12 m=40
